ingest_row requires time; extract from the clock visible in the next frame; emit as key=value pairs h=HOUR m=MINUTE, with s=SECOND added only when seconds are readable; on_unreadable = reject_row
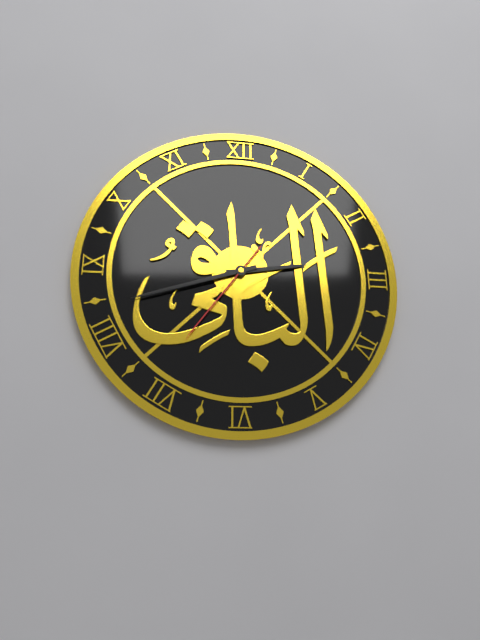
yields h=2 m=42 s=36
